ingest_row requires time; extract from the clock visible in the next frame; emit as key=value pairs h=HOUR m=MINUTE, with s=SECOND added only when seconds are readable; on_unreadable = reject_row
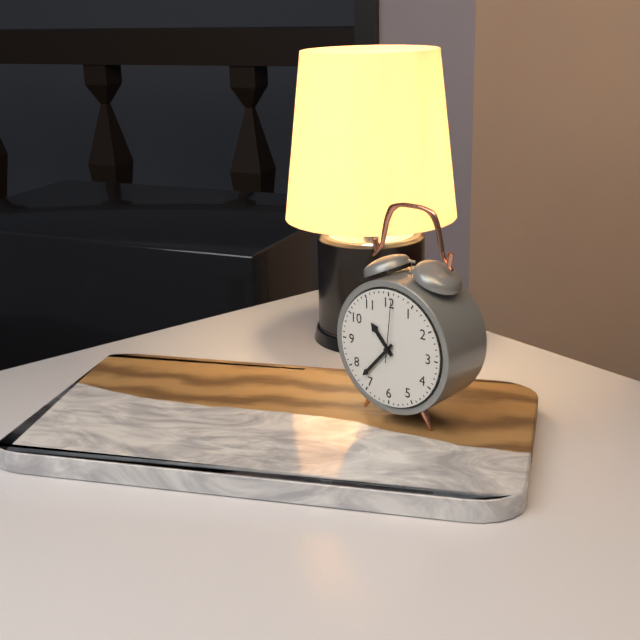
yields h=10 m=37 s=1
